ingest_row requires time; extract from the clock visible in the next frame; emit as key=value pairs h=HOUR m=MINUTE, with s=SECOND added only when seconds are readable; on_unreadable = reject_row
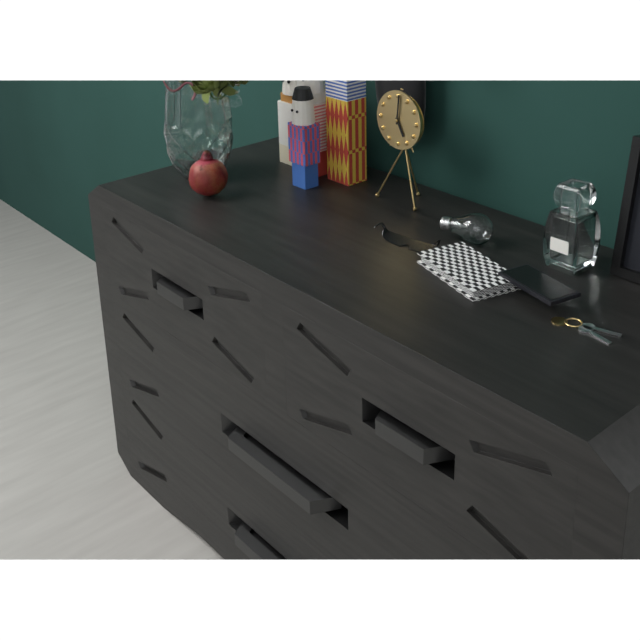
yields h=5 m=1
